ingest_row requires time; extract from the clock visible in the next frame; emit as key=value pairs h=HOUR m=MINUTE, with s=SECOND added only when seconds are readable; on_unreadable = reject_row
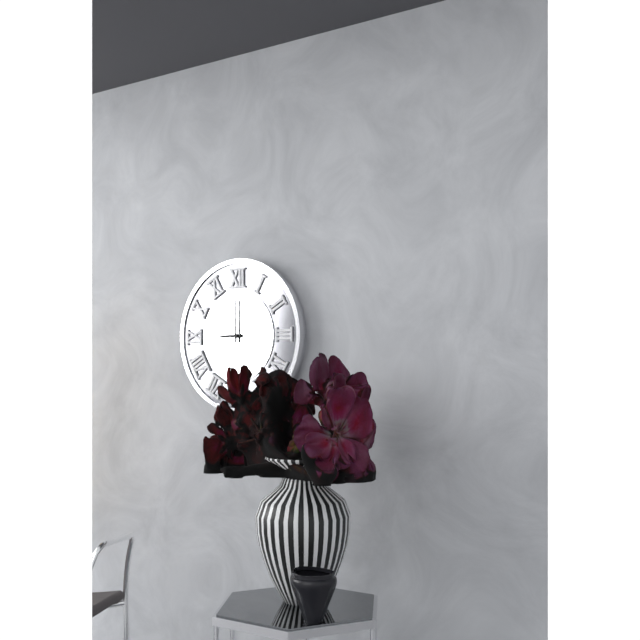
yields h=9 m=0
